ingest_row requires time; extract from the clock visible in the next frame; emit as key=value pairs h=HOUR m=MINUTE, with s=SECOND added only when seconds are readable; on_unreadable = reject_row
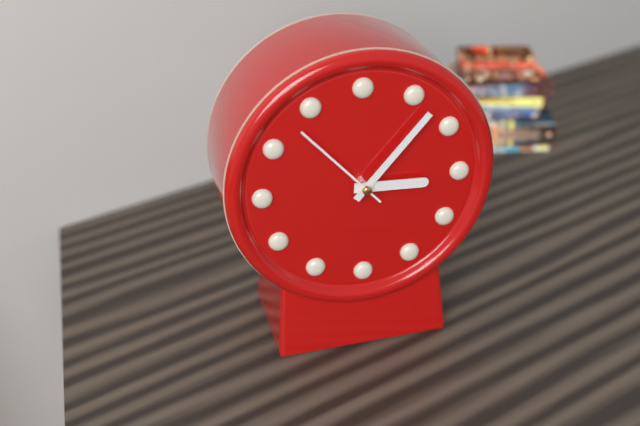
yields h=3 m=7 s=53
